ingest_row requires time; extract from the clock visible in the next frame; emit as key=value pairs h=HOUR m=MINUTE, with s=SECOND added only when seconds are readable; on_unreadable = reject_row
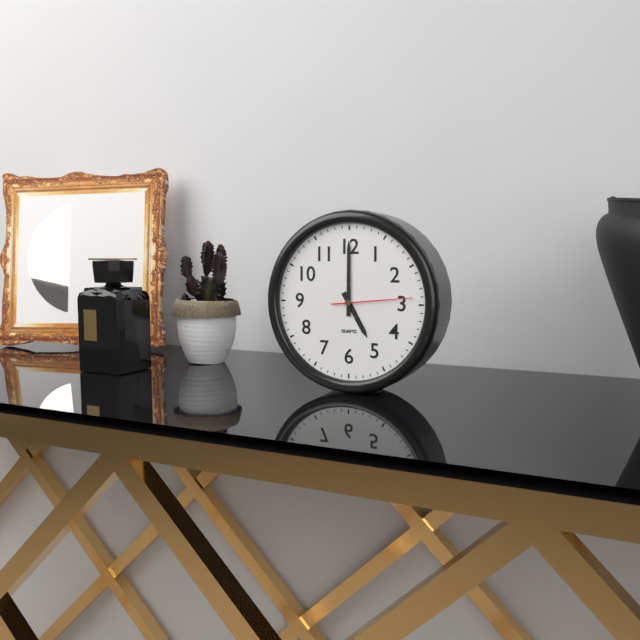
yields h=5 m=0 s=14
